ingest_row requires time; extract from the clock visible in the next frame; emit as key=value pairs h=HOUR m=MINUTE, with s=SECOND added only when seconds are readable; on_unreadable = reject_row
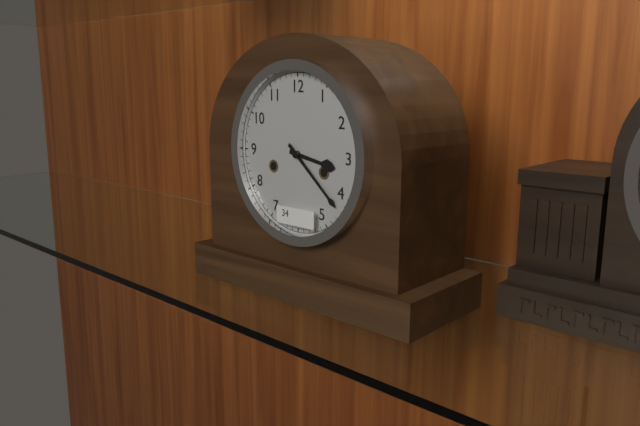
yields h=3 m=22
